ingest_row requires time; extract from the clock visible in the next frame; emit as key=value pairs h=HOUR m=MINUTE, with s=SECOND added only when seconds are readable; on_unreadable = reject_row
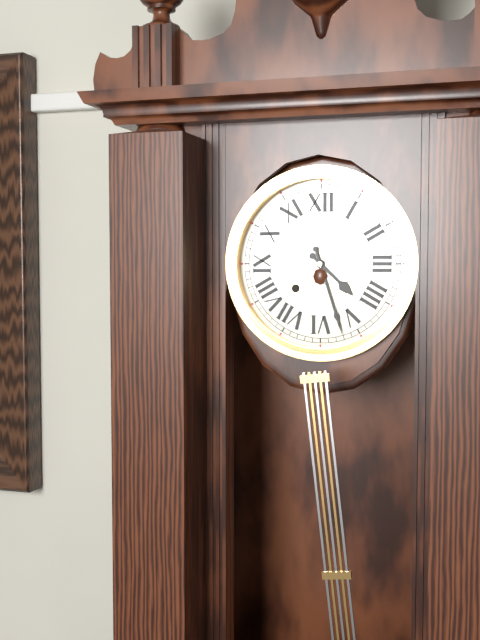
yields h=4 m=27
